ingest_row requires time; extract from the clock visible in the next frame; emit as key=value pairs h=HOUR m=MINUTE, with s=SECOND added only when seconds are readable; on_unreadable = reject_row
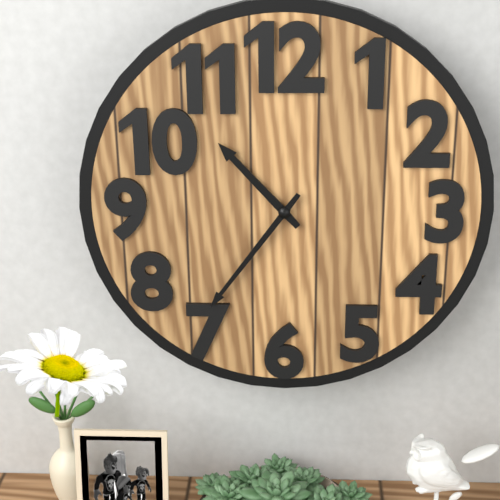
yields h=10 m=36
